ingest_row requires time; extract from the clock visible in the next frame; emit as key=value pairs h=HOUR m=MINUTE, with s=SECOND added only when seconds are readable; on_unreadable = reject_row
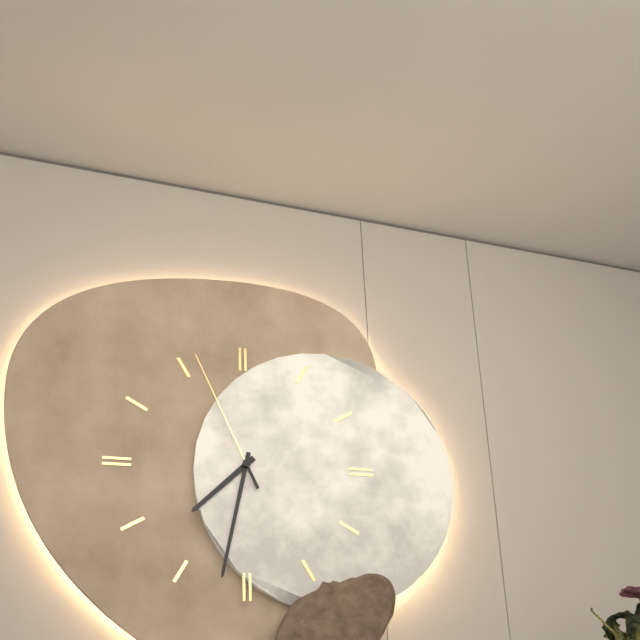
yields h=7 m=32 s=56
